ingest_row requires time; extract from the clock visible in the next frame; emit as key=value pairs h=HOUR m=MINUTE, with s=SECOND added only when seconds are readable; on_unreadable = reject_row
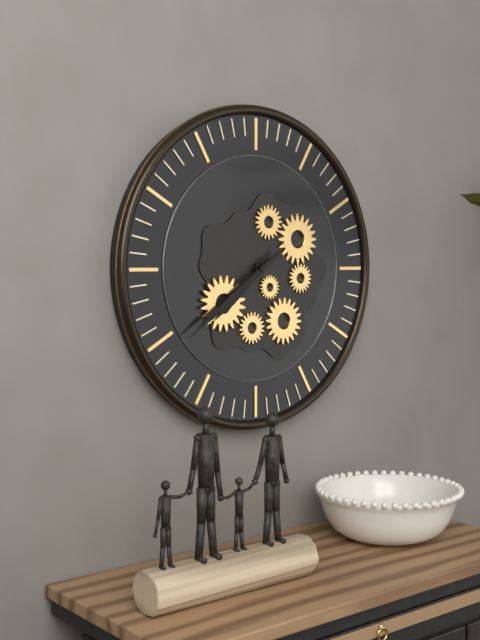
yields h=7 m=39
